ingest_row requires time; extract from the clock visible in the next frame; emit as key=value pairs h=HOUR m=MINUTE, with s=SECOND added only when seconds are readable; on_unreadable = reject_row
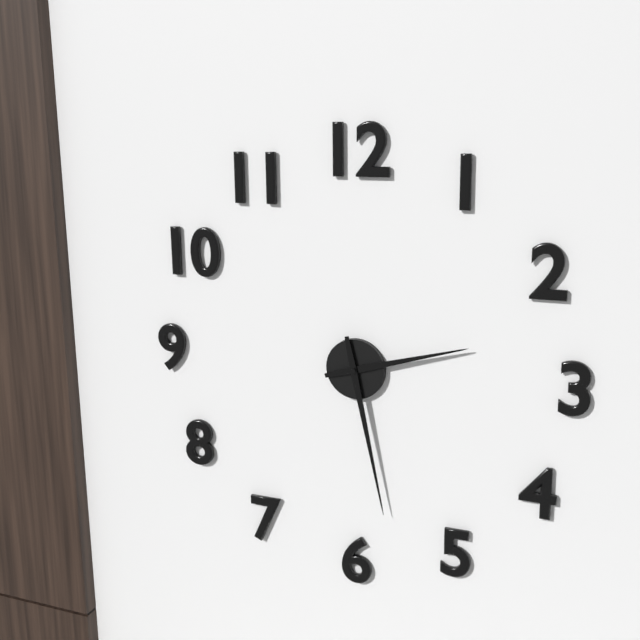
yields h=2 m=28
